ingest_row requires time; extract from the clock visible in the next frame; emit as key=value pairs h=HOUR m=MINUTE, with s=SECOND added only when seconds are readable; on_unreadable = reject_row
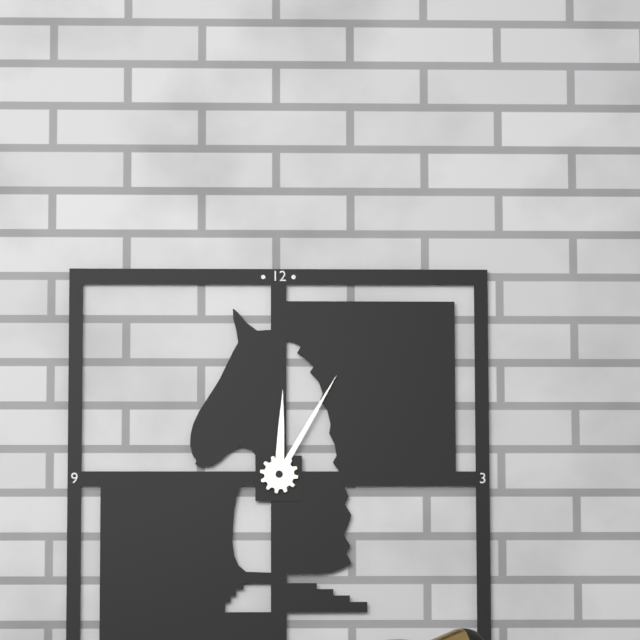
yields h=12 m=5
